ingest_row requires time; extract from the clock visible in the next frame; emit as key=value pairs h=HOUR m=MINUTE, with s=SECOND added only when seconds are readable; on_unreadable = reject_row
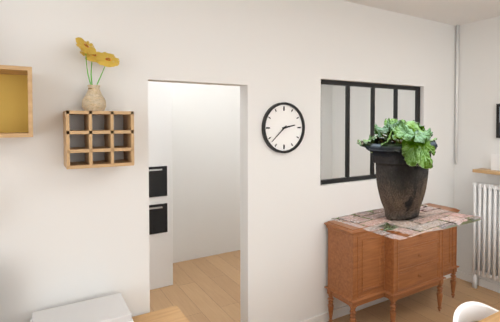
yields h=2 m=38
